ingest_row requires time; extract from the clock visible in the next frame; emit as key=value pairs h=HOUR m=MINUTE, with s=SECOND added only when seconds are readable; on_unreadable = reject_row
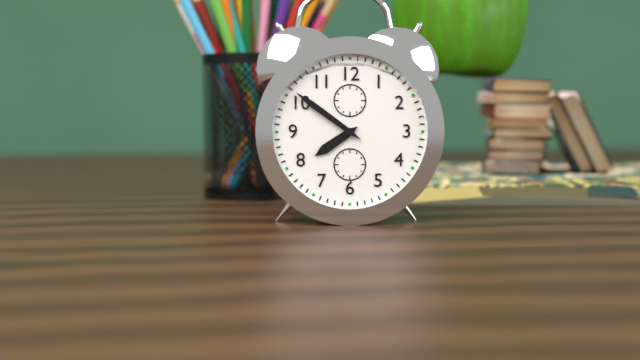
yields h=7 m=51
